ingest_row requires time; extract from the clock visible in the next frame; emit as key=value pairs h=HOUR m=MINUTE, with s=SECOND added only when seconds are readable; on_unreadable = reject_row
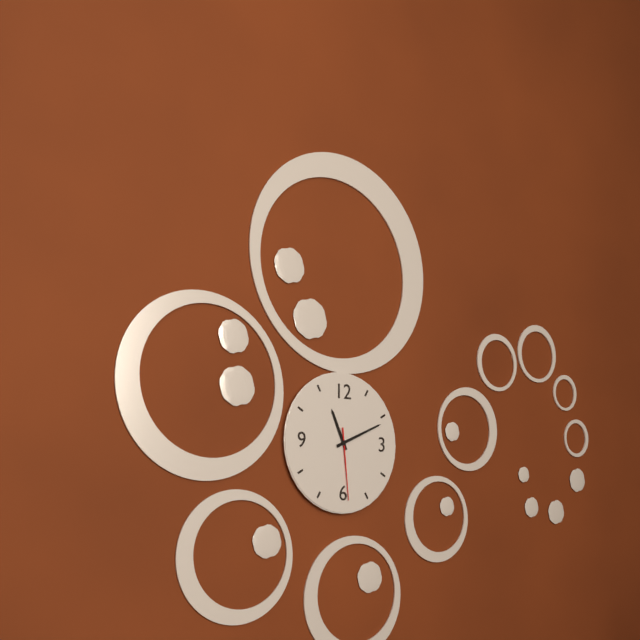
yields h=11 m=11 s=29
